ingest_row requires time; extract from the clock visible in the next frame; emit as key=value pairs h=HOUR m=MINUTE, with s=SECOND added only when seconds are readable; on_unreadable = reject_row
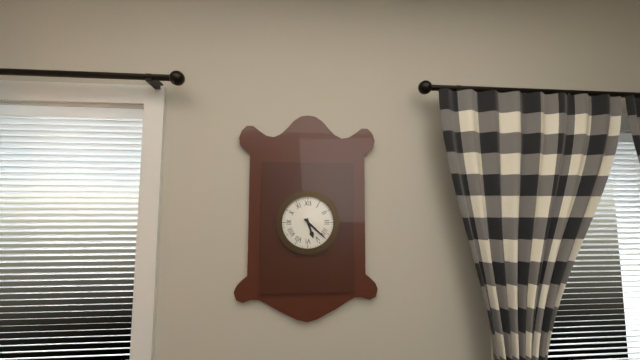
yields h=5 m=22
